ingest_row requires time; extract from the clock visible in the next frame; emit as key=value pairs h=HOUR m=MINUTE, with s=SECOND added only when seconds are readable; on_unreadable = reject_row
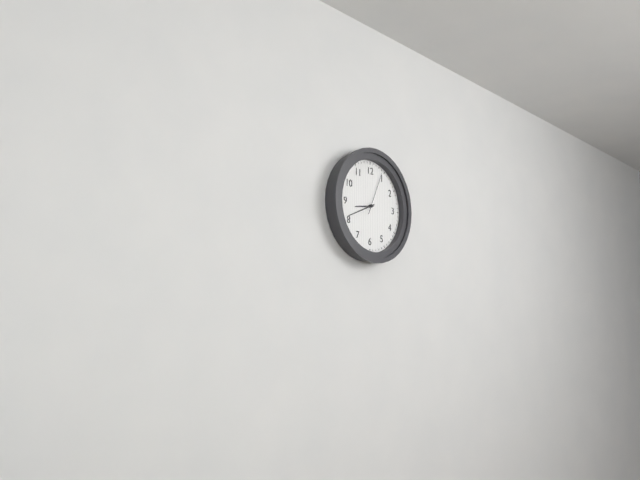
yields h=8 m=41
